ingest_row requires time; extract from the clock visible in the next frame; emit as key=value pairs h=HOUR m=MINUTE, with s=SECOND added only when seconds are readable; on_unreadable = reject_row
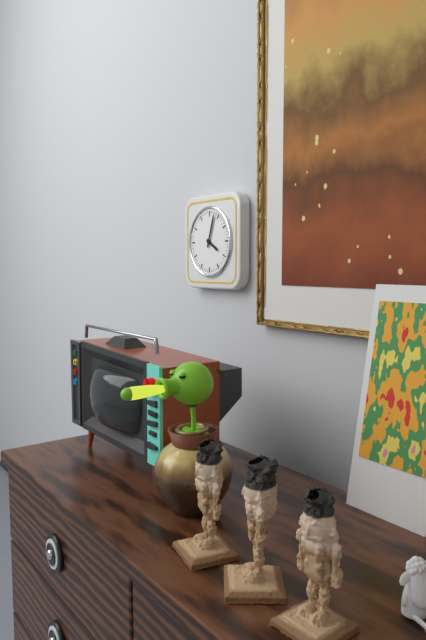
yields h=4 m=3
